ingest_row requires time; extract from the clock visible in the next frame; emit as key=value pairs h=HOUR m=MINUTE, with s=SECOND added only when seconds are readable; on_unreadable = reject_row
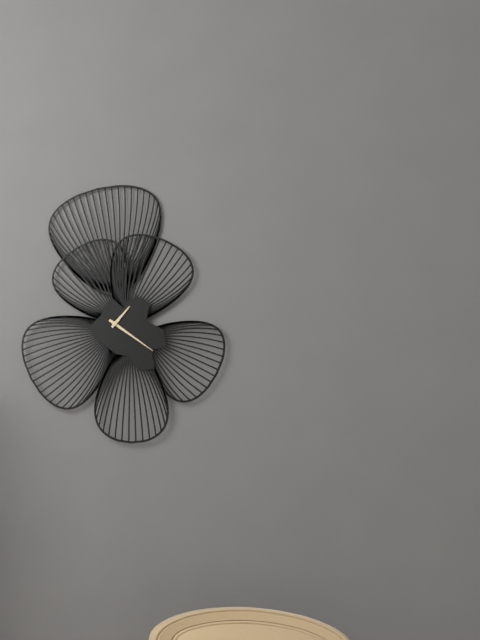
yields h=1 m=21
